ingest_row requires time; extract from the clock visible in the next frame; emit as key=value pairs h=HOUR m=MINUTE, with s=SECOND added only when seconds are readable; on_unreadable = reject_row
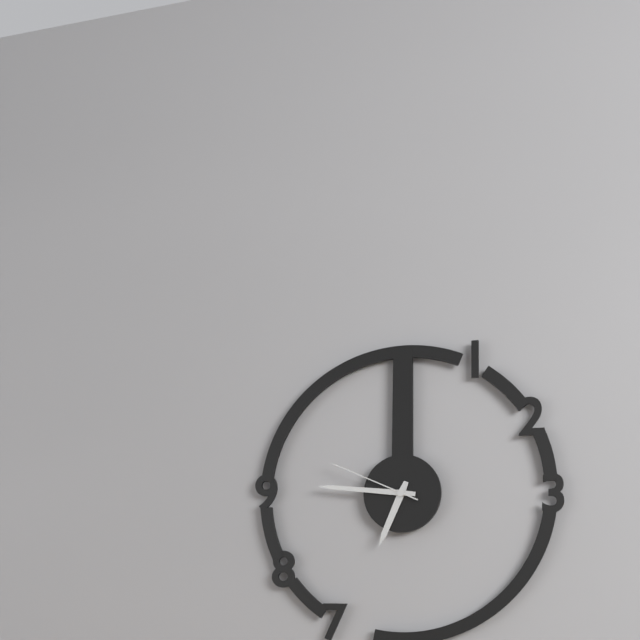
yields h=6 m=46 s=49
